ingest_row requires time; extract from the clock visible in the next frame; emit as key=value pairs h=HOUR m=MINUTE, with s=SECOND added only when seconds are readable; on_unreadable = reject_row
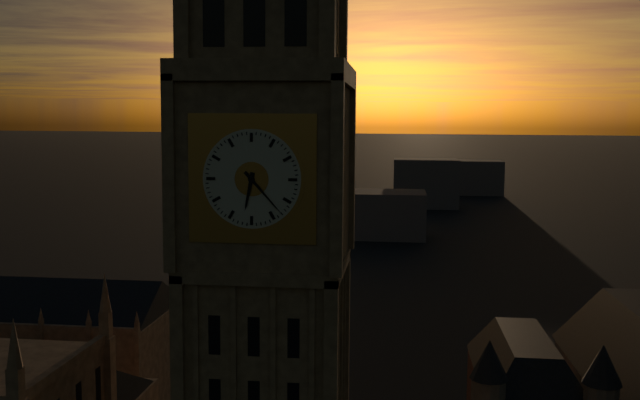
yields h=6 m=23
